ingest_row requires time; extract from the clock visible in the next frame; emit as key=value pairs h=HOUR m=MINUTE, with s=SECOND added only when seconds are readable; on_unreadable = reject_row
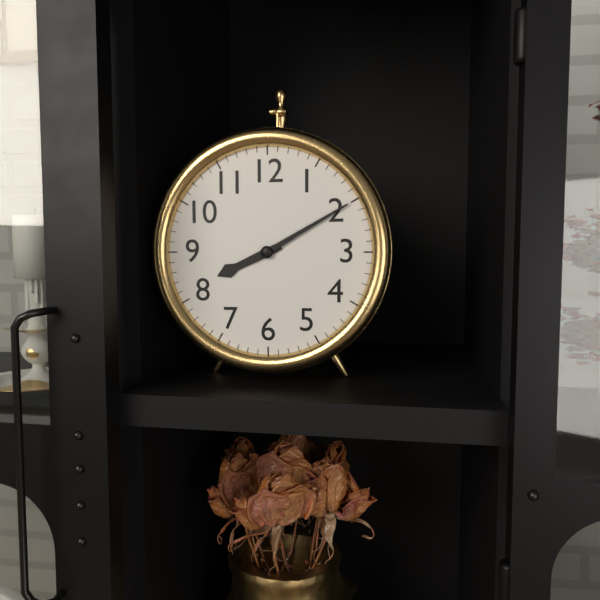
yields h=8 m=10
